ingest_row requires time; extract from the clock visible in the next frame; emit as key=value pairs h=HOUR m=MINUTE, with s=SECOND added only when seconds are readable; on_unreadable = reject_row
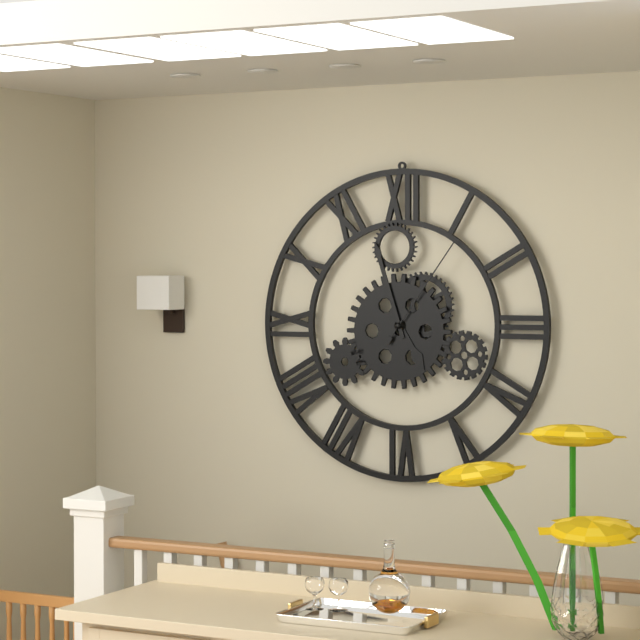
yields h=4 m=57 s=6
